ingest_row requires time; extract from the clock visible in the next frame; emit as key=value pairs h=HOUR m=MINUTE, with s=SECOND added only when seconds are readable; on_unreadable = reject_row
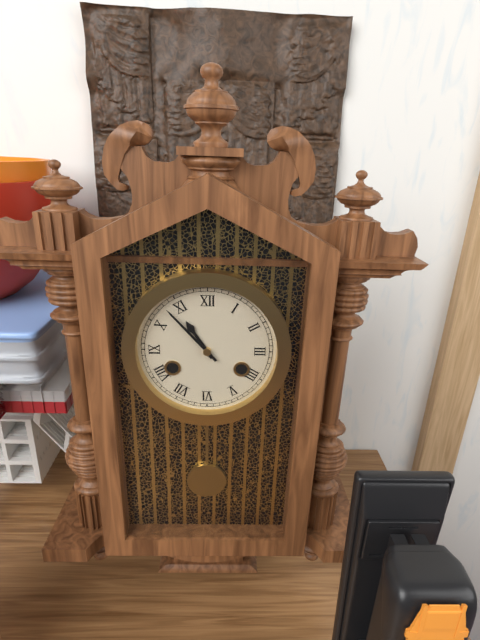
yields h=10 m=53
